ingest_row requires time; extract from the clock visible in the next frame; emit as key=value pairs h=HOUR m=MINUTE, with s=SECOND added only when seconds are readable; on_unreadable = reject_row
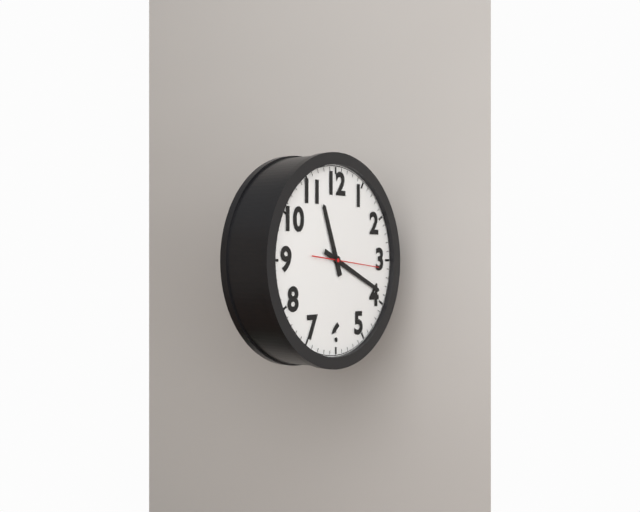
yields h=11 m=19 s=16
